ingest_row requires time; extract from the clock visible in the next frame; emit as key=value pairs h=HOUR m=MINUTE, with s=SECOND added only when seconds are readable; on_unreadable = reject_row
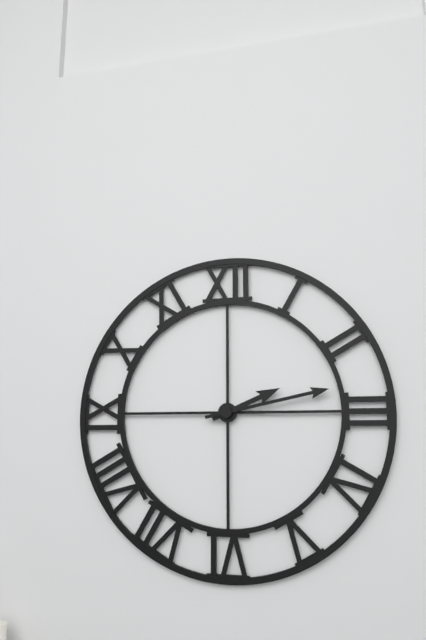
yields h=2 m=13
